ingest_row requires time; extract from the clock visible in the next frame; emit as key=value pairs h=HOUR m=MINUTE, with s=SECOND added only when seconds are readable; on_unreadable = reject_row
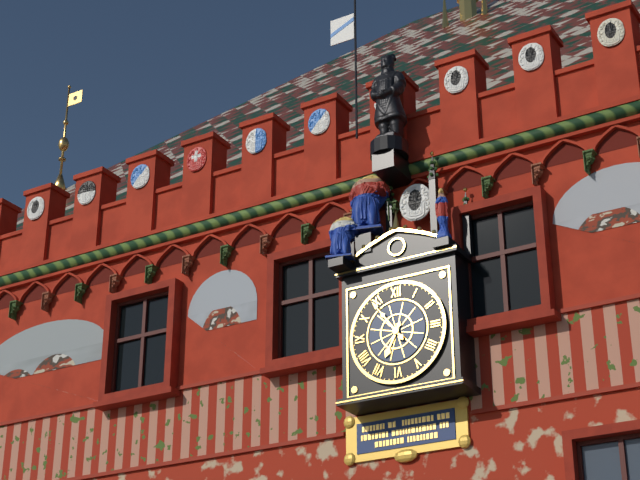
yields h=6 m=54
